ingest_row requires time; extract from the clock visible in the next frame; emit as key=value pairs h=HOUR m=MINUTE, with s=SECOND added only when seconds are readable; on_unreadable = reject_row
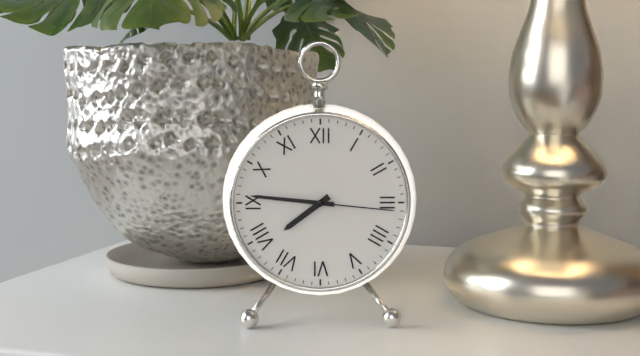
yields h=7 m=46 s=16
